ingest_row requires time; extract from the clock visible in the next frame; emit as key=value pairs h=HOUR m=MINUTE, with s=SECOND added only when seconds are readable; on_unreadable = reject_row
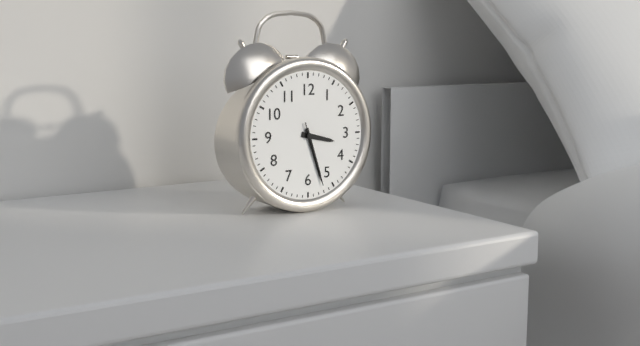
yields h=3 m=27 s=27
